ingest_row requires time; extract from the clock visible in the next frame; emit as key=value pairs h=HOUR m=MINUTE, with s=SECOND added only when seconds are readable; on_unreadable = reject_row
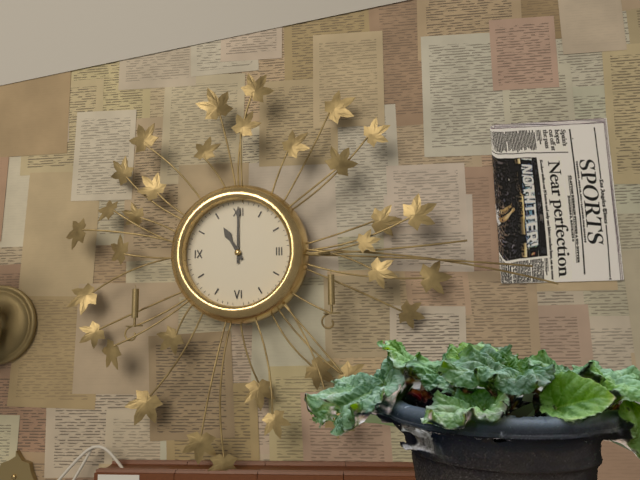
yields h=11 m=0
